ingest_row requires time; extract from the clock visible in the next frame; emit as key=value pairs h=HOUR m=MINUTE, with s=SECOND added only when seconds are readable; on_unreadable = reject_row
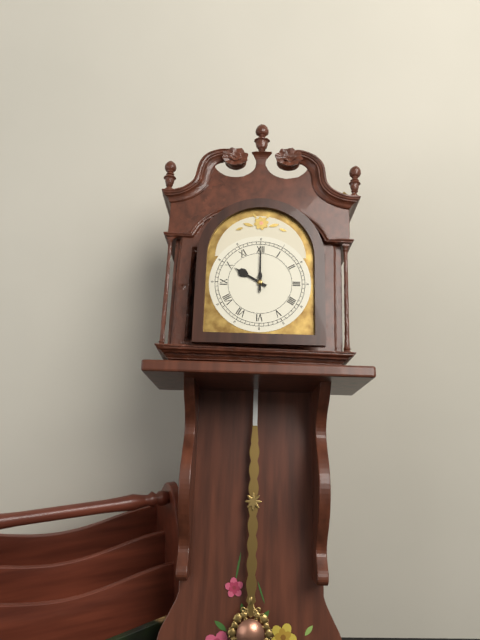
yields h=10 m=0
